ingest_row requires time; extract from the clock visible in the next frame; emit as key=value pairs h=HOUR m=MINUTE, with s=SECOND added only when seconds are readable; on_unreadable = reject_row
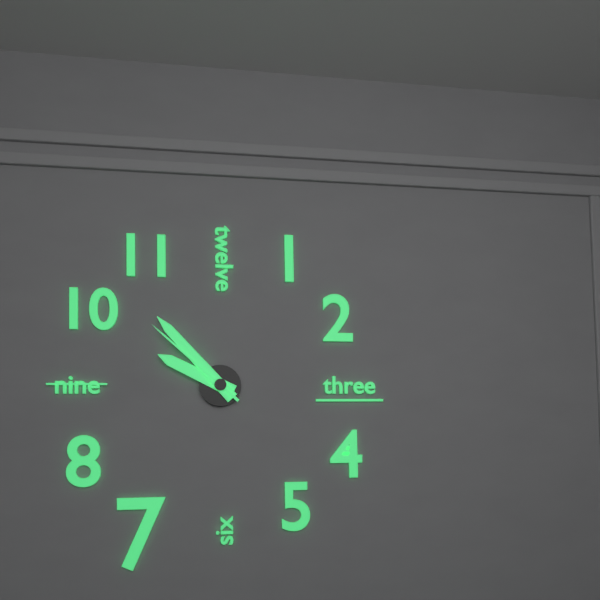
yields h=9 m=53 s=52
